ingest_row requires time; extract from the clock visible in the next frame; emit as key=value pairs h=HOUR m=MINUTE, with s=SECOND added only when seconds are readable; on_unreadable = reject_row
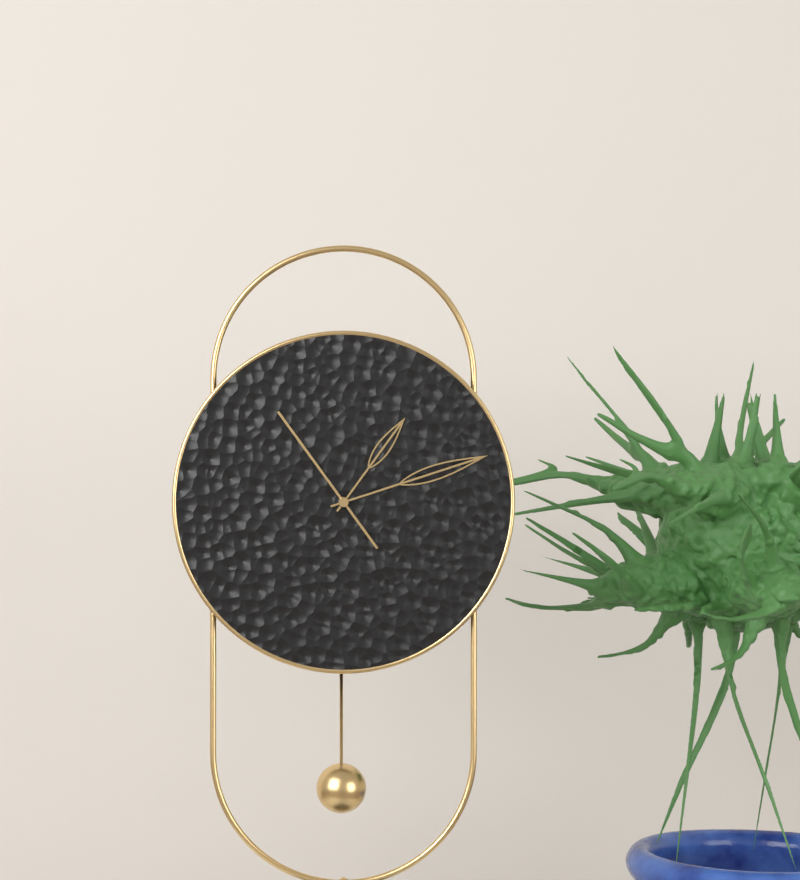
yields h=1 m=12 s=54
